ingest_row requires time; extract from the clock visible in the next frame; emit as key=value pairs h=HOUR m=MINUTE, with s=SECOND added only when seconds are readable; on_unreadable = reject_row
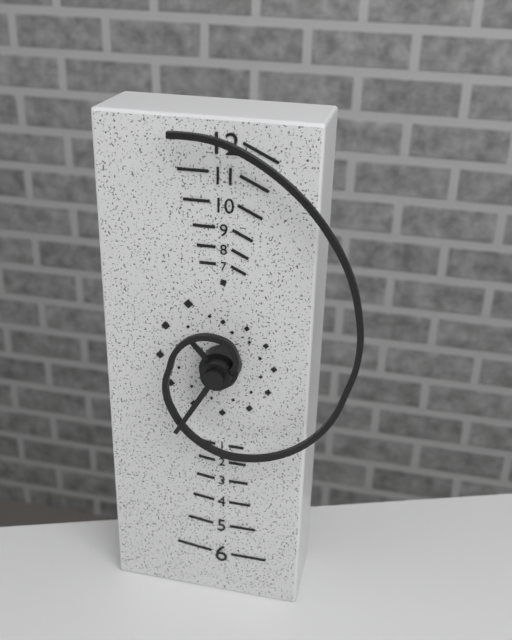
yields h=10 m=35
